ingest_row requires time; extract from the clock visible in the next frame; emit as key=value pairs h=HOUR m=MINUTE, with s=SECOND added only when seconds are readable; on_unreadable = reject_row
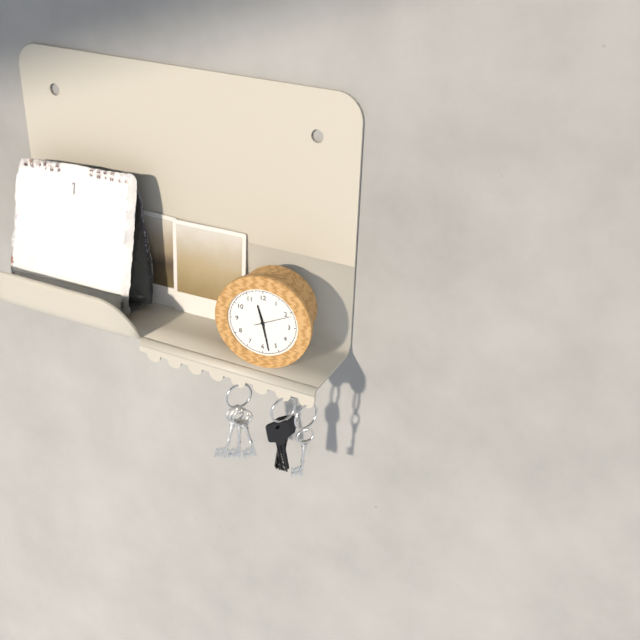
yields h=11 m=28
